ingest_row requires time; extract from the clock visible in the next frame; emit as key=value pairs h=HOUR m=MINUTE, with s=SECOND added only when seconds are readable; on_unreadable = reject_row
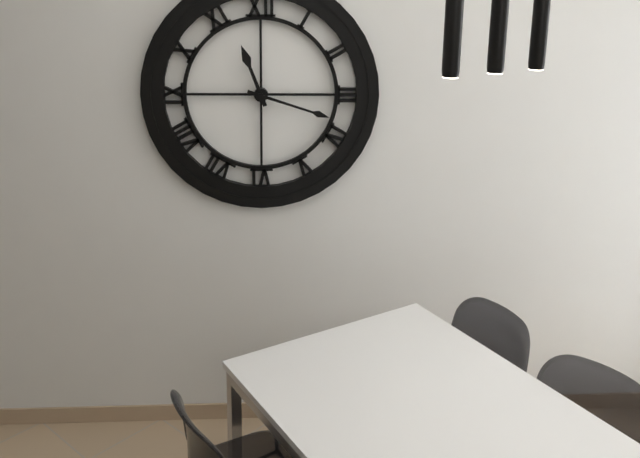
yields h=11 m=18
